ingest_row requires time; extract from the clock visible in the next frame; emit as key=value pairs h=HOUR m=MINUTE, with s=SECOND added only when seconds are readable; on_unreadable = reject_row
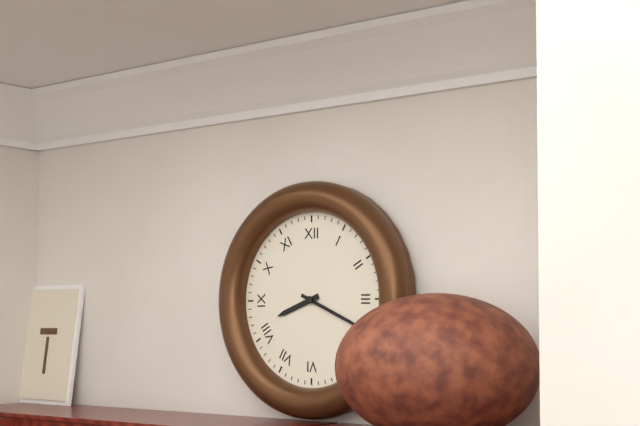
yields h=8 m=19
